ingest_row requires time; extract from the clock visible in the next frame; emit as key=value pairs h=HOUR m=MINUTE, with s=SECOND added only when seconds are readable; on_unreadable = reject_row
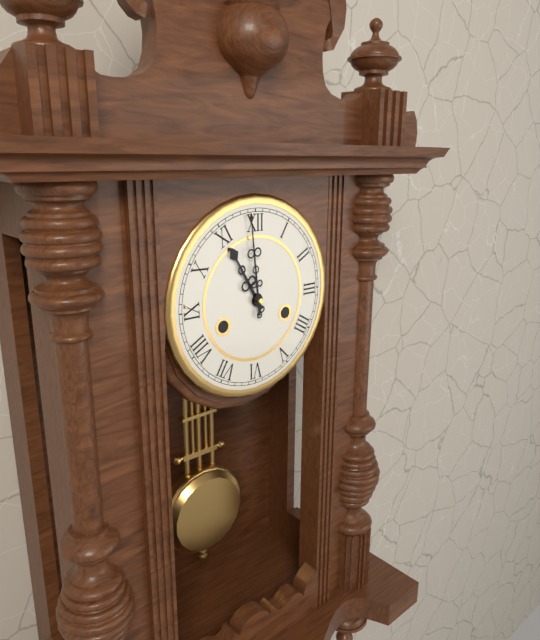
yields h=10 m=59
